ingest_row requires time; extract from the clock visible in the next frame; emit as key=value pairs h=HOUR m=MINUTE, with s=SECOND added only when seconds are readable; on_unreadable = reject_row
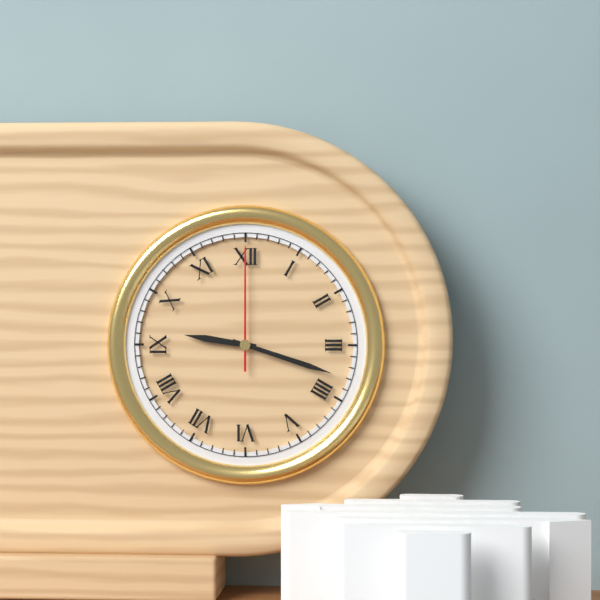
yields h=9 m=18 s=0
